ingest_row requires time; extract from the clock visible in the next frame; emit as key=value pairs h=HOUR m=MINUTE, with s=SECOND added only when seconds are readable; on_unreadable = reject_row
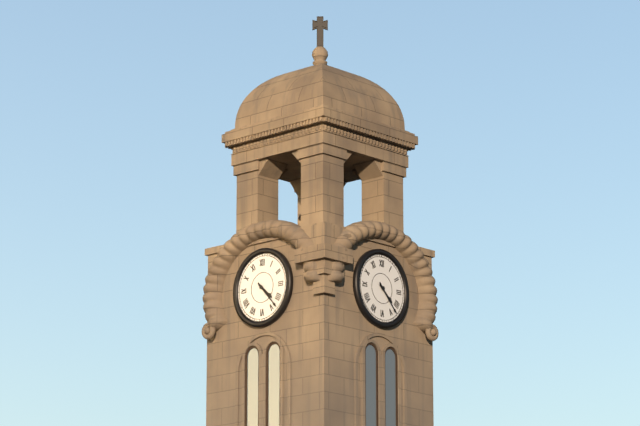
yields h=4 m=23
